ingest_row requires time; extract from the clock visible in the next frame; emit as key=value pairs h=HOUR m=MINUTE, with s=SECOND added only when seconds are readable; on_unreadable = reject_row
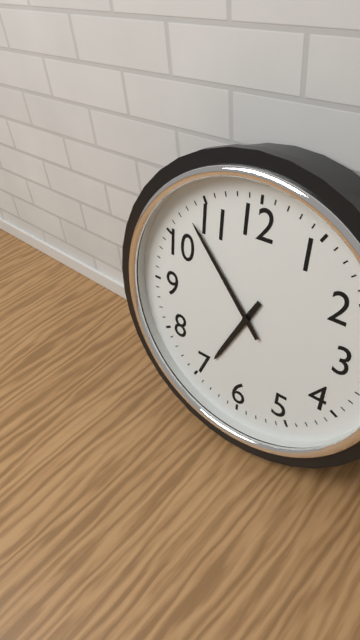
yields h=6 m=53
